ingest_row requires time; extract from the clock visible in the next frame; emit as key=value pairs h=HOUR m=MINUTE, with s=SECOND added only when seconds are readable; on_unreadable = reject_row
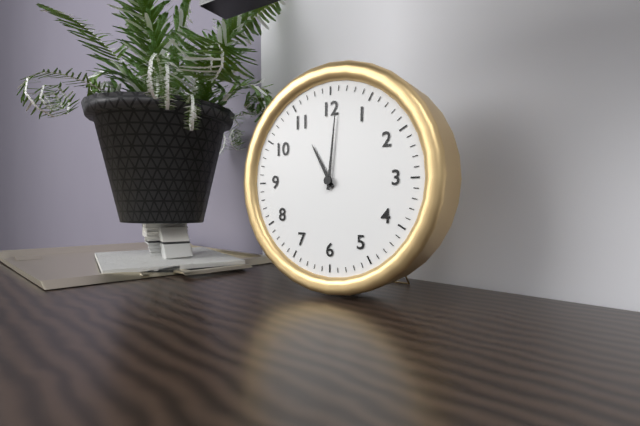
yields h=11 m=1
